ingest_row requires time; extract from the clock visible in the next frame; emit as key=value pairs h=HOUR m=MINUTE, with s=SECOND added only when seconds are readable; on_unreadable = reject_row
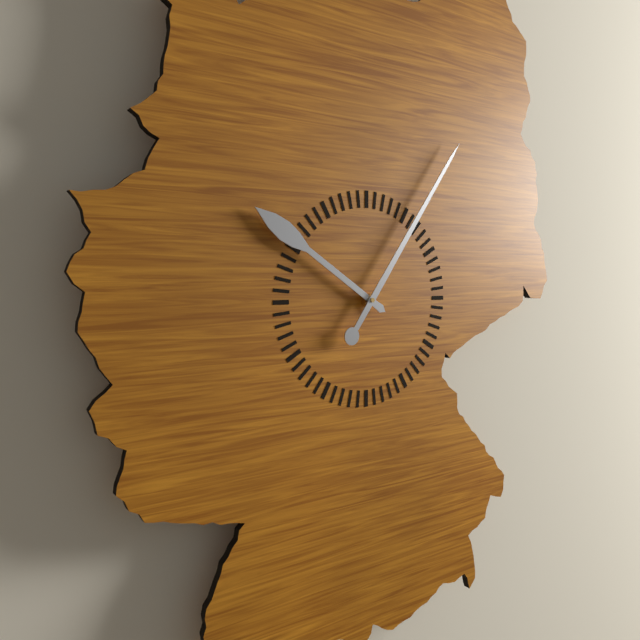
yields h=10 m=6
